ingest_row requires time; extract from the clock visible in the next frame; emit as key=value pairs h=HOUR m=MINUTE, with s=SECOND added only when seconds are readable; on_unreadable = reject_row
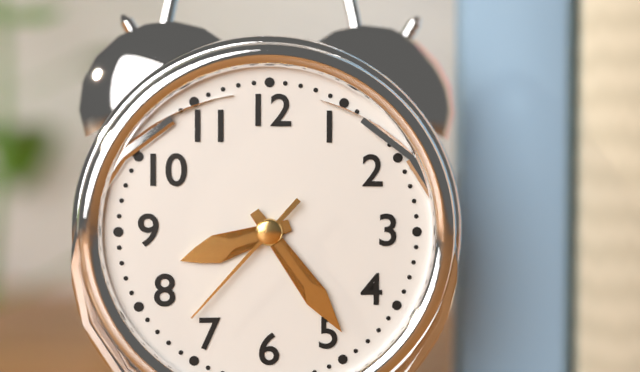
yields h=8 m=24 s=37
